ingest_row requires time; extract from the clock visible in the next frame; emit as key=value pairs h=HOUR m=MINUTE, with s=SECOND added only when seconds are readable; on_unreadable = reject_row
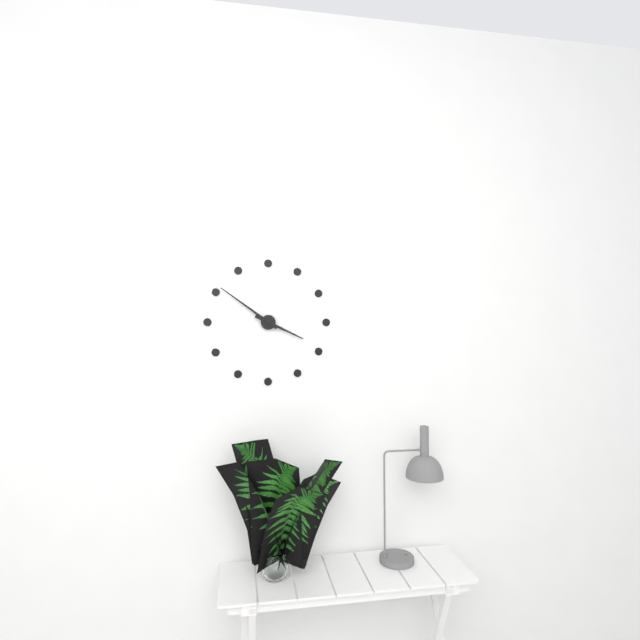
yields h=3 m=51
